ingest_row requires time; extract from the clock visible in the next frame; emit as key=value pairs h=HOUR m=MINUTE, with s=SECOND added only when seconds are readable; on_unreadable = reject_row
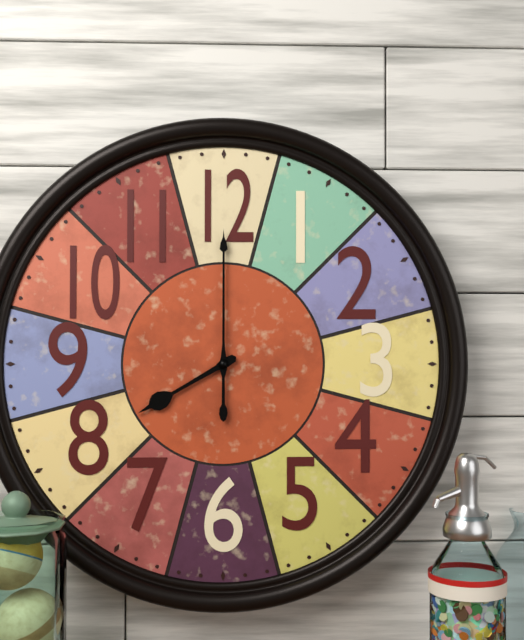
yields h=8 m=0
